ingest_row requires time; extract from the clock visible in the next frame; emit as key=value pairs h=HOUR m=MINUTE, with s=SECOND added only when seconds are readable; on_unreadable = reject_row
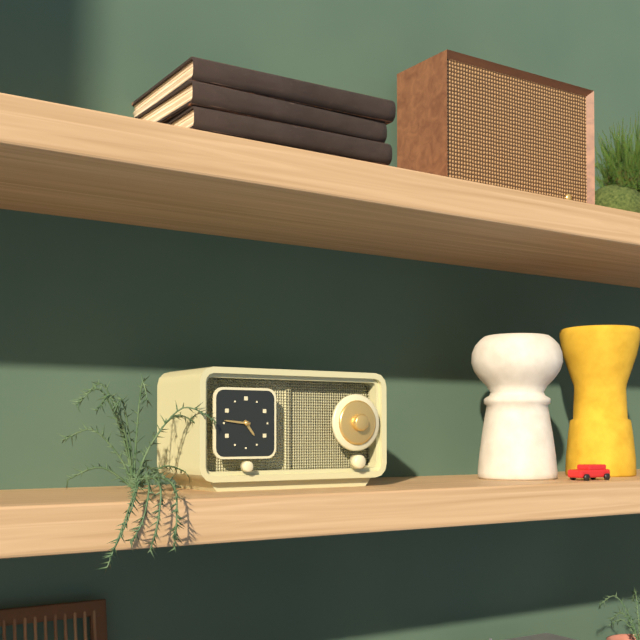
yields h=4 m=46
